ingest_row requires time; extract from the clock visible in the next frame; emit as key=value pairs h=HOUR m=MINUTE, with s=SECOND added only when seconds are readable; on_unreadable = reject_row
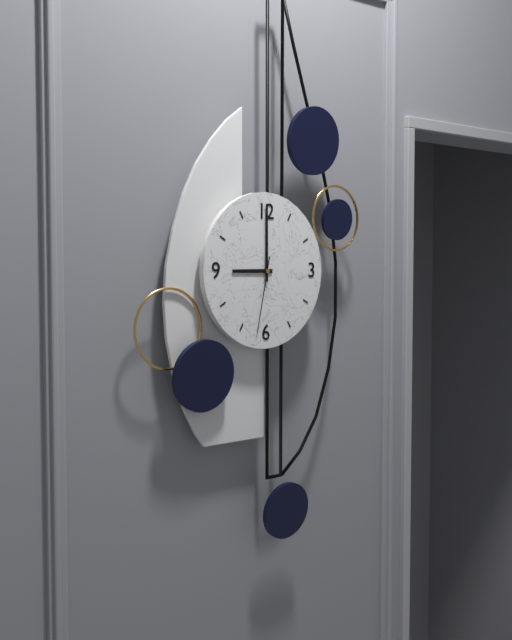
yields h=9 m=0 s=32
